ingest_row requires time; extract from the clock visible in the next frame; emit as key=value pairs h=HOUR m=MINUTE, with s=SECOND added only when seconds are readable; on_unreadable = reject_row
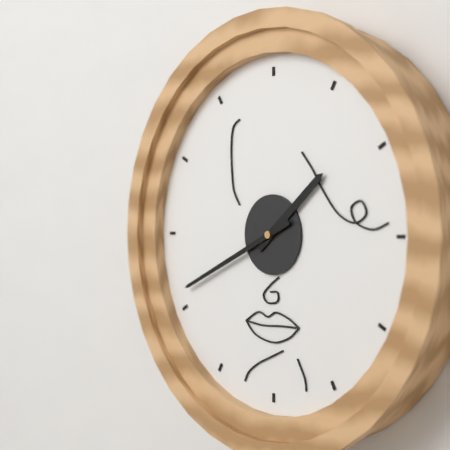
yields h=1 m=41
